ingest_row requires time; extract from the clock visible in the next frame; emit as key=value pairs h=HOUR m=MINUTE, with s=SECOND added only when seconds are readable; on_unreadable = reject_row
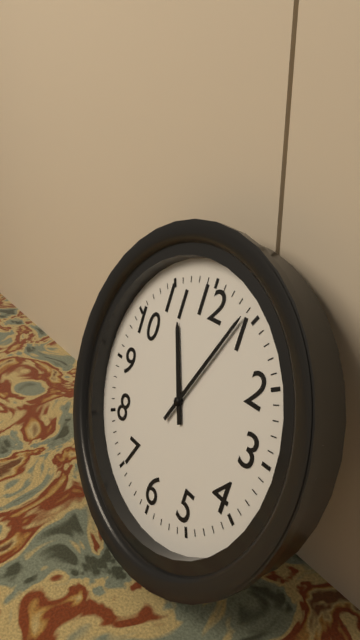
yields h=11 m=4
